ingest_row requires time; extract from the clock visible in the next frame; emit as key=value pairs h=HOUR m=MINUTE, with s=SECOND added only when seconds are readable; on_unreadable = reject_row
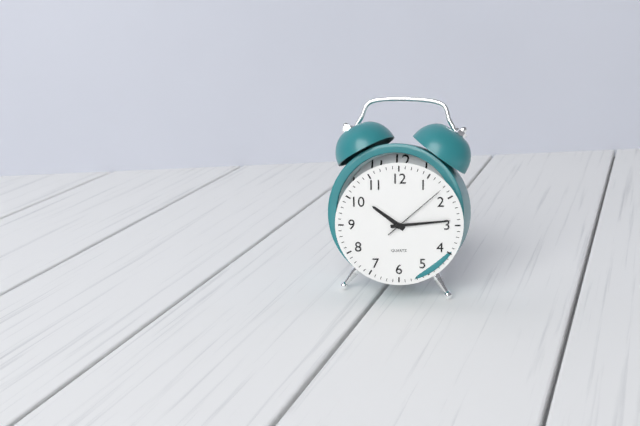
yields h=10 m=14 s=8
